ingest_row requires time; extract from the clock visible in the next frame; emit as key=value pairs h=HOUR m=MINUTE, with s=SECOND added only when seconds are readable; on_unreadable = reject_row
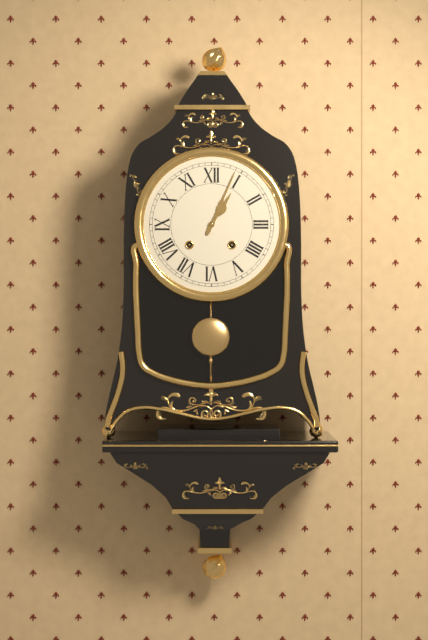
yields h=1 m=4
